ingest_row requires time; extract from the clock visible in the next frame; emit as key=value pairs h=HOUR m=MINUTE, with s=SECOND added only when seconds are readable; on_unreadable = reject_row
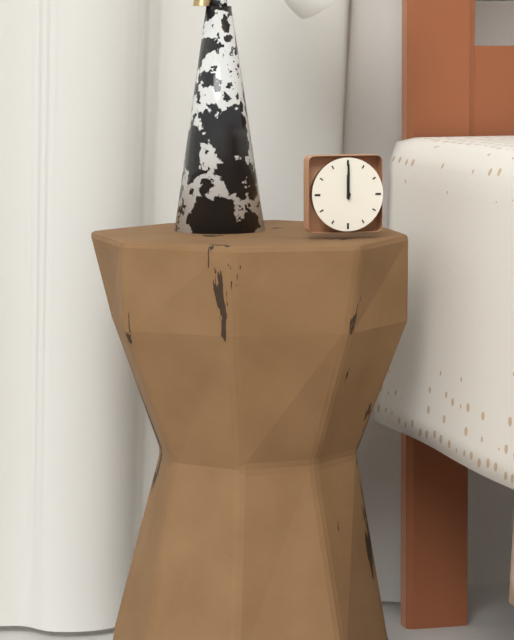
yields h=12 m=0
